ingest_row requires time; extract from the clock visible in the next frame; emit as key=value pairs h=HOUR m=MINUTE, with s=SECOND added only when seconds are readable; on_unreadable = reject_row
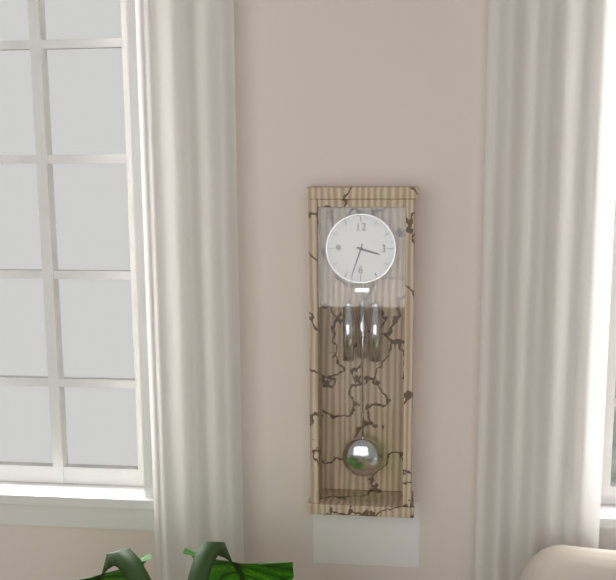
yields h=3 m=33
